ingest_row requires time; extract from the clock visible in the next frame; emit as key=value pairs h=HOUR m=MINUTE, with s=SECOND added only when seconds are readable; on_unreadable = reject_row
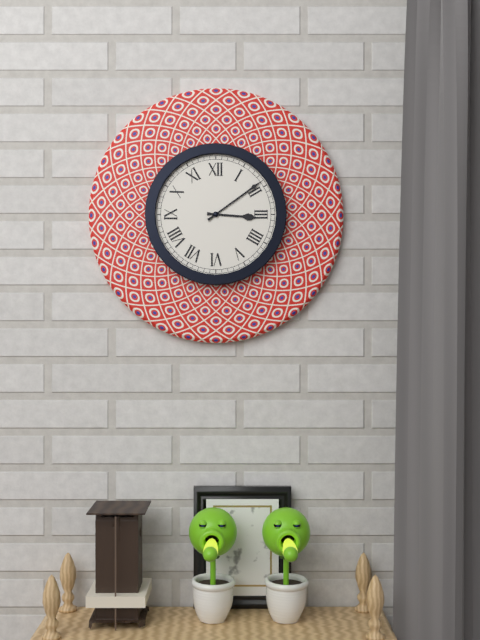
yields h=3 m=9
